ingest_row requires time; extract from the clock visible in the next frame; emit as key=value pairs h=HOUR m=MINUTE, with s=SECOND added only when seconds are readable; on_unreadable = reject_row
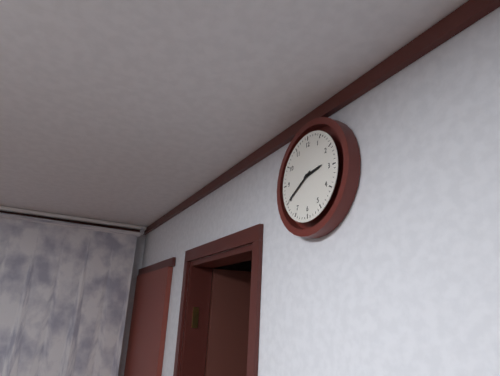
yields h=2 m=40
